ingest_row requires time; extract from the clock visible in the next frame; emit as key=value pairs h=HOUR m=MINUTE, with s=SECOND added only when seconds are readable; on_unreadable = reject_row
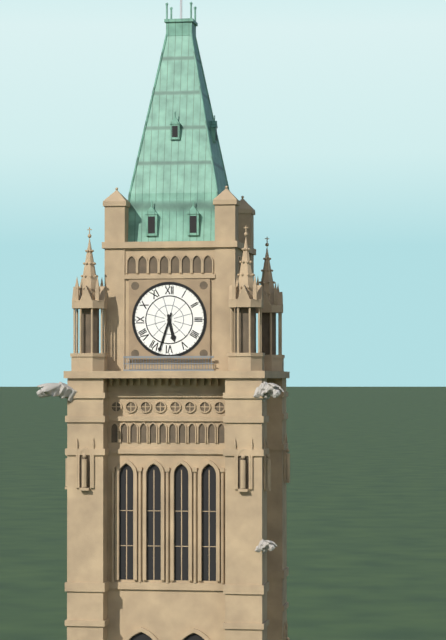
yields h=5 m=33
